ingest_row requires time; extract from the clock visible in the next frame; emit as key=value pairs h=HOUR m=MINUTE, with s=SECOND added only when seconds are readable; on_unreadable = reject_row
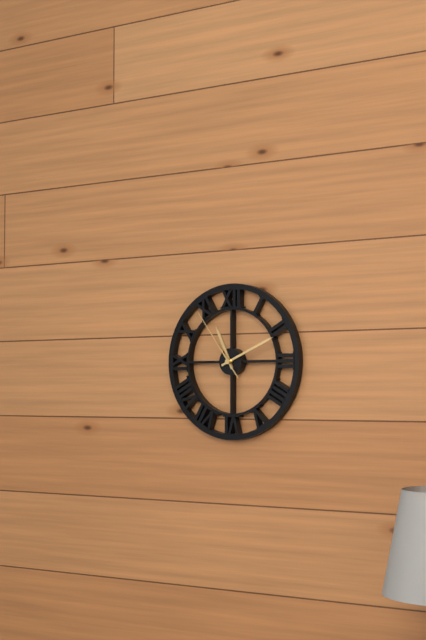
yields h=11 m=11 s=54
